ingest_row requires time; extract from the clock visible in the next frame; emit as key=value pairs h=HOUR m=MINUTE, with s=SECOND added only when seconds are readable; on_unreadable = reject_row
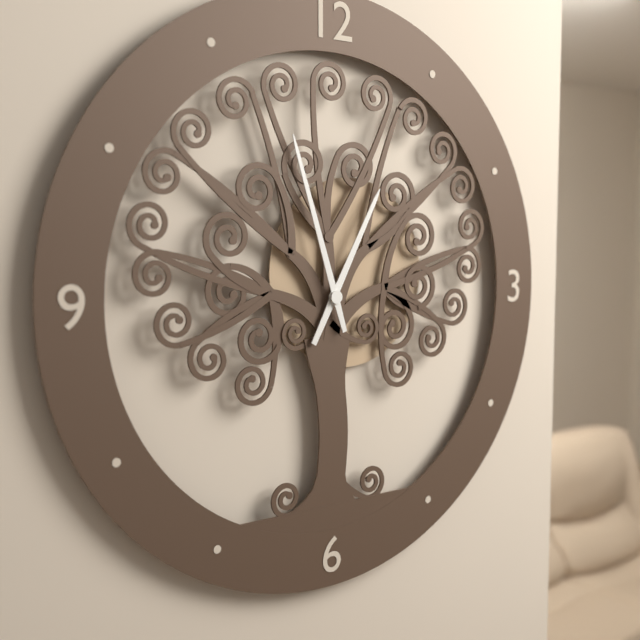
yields h=12 m=57
